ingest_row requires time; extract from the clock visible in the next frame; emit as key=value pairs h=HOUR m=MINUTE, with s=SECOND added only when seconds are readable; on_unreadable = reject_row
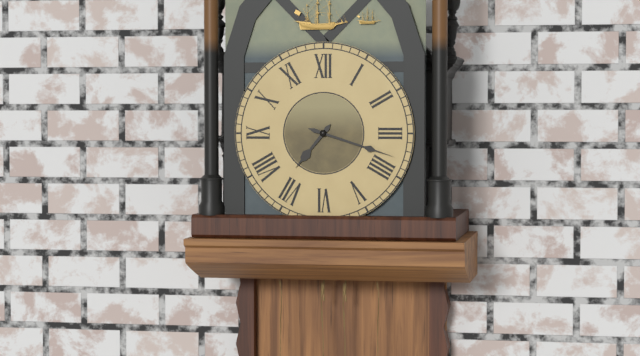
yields h=7 m=18
